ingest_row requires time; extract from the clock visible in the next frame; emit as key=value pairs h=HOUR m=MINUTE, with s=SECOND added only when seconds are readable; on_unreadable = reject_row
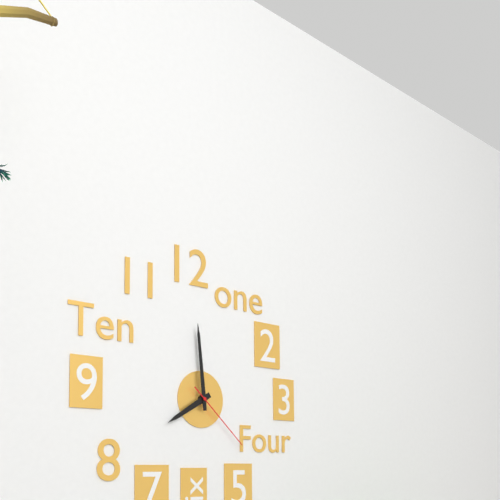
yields h=7 m=59 s=22
